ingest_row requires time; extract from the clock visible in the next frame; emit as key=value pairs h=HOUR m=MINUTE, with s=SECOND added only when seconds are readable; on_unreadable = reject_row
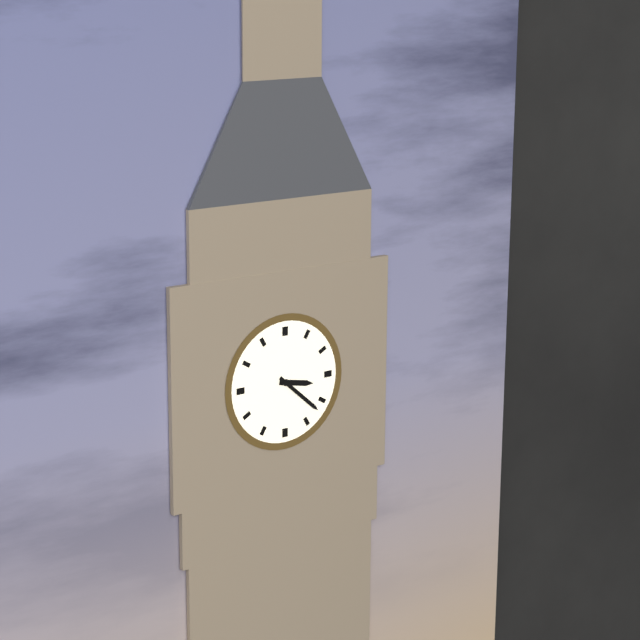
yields h=3 m=22
